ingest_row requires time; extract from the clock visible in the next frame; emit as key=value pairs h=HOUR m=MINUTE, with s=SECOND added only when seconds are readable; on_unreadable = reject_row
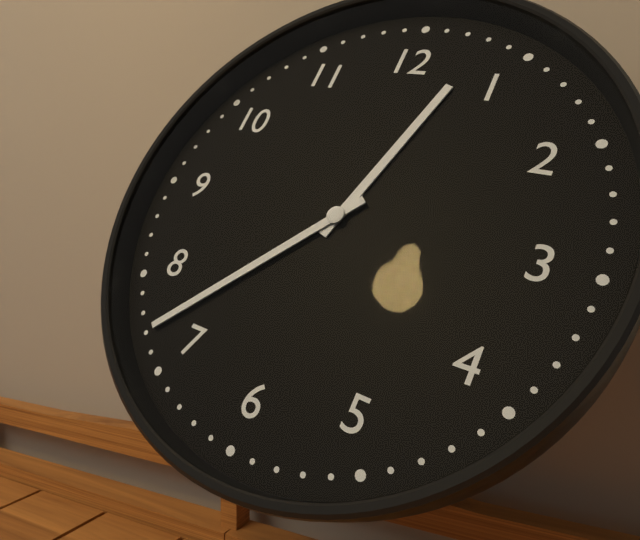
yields h=12 m=37
